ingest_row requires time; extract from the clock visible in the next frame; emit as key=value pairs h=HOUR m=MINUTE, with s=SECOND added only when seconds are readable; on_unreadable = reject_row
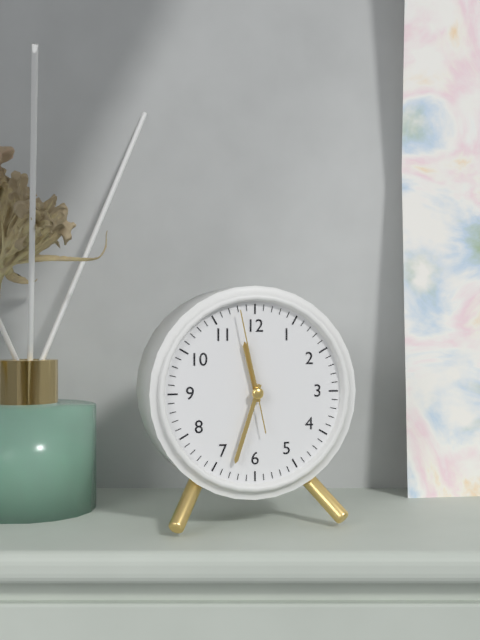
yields h=11 m=33 s=58
